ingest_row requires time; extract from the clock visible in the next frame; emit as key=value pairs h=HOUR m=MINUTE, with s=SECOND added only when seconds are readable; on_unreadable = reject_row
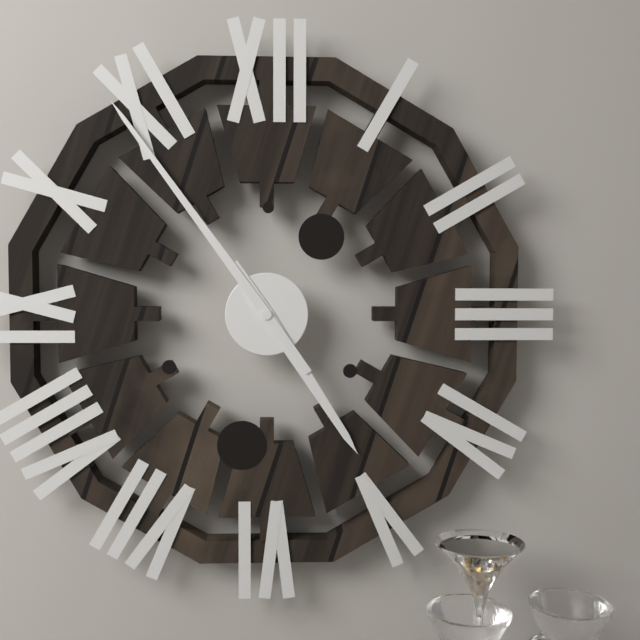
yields h=4 m=54
